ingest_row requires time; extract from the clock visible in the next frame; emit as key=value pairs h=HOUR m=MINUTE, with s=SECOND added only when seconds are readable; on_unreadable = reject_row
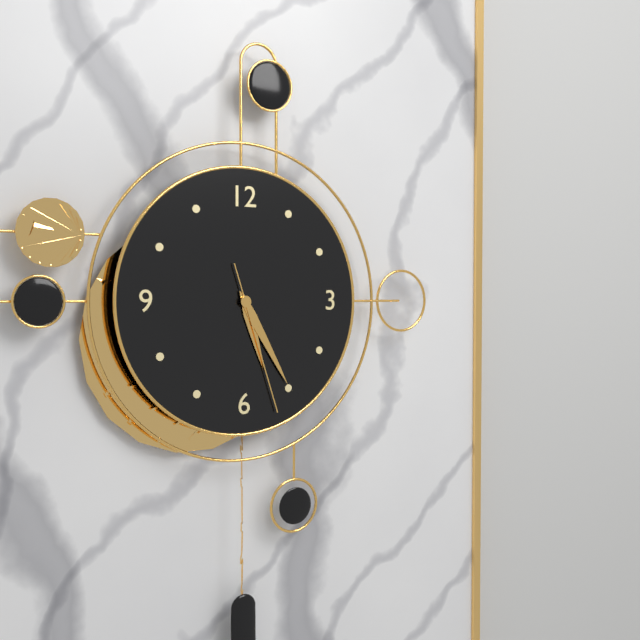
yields h=5 m=25 s=27
